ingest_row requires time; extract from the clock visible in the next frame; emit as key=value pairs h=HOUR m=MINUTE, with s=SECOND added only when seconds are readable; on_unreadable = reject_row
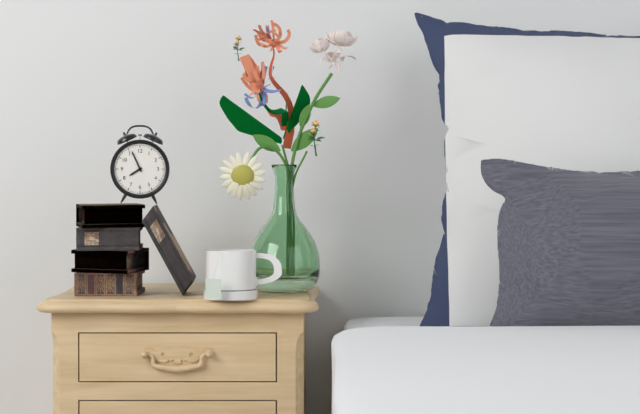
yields h=7 m=56
